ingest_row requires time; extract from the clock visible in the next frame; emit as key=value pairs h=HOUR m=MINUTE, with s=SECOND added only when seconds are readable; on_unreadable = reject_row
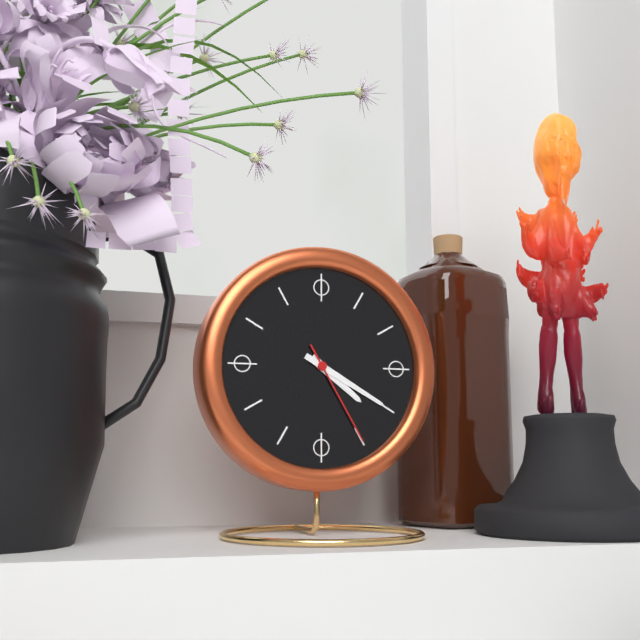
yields h=4 m=20 s=25
